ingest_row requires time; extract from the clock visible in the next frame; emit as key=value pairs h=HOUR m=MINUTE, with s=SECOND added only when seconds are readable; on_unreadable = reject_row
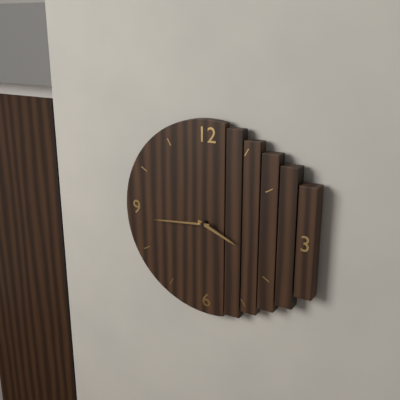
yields h=3 m=44
